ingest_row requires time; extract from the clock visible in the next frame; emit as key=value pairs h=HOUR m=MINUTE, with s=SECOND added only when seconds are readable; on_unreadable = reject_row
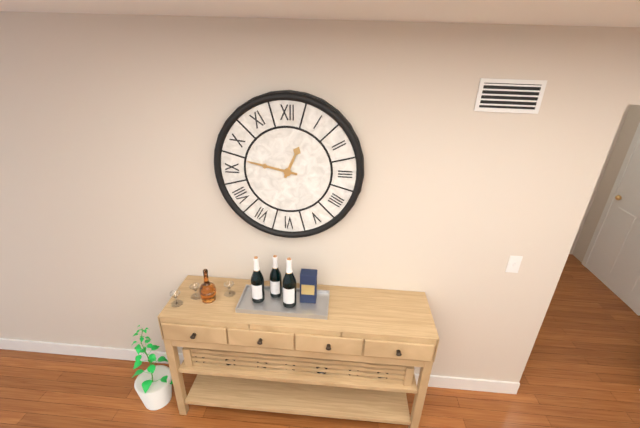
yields h=12 m=47
